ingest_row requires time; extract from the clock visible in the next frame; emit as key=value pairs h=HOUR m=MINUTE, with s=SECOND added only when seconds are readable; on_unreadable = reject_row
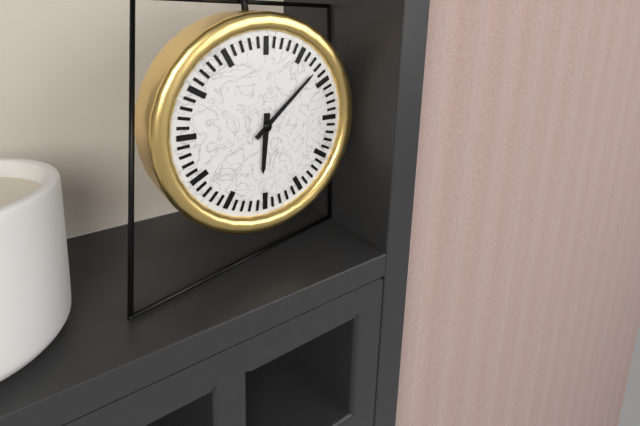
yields h=6 m=8
